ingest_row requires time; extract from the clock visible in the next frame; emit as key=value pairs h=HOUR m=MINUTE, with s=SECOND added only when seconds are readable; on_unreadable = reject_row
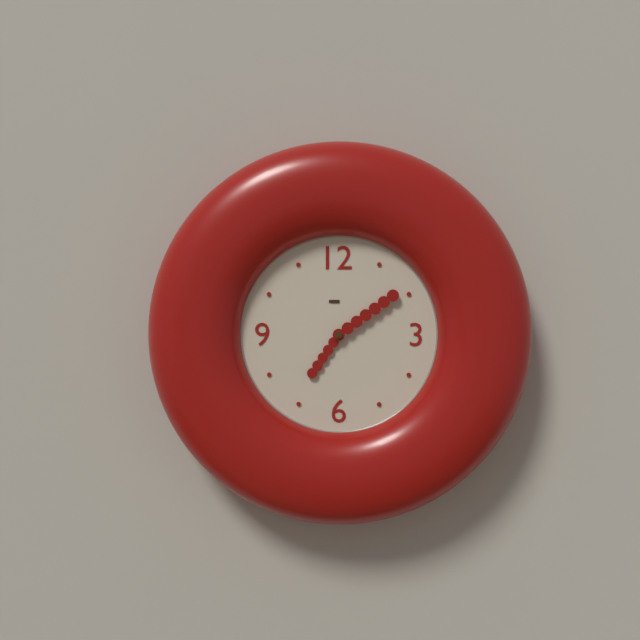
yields h=7 m=9
